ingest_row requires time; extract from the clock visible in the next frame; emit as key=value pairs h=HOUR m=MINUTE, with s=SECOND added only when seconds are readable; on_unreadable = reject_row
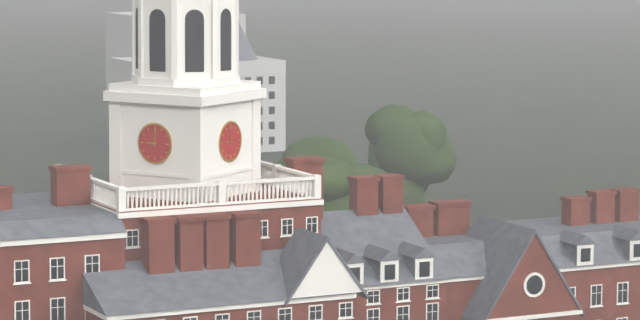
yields h=9 m=1
